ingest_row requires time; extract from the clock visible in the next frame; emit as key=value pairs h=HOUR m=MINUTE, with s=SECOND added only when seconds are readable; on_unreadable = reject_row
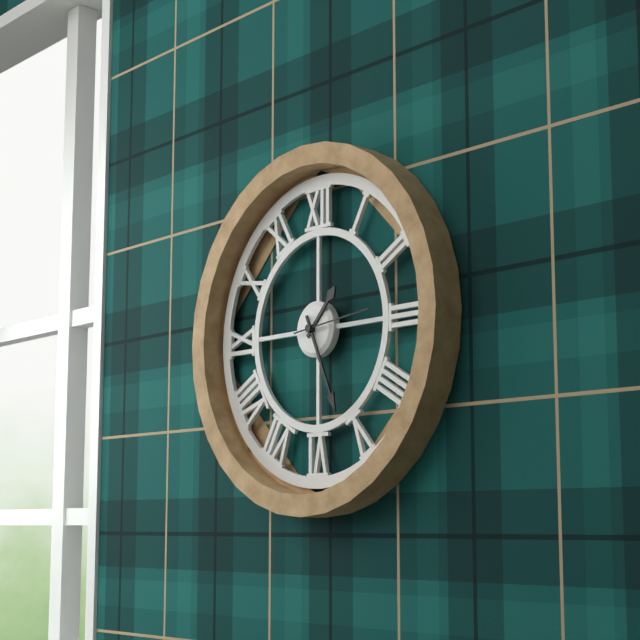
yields h=1 m=26 s=14
